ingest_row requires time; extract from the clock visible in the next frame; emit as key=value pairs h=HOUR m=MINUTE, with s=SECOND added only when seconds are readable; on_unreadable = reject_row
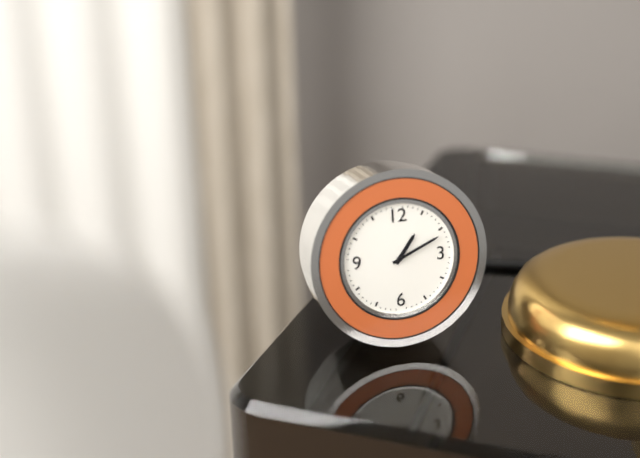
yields h=1 m=11
